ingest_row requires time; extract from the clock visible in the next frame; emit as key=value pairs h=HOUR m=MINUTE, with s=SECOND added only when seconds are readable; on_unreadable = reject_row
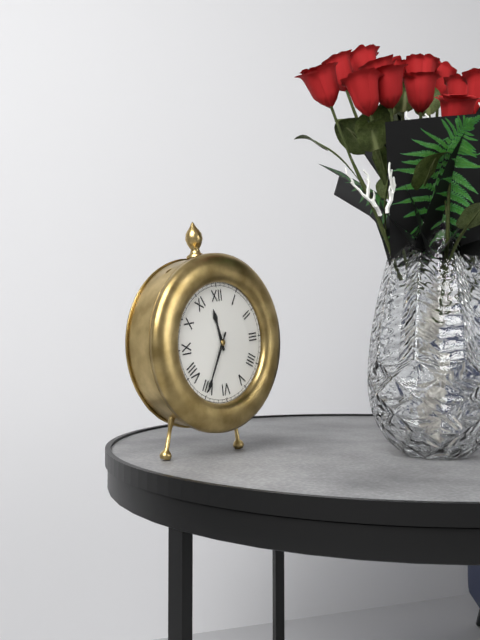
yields h=11 m=35
